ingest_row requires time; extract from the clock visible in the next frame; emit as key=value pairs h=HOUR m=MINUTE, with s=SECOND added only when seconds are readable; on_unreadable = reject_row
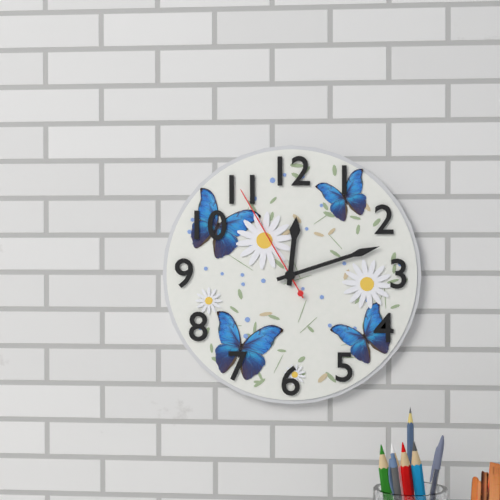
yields h=12 m=12 s=55
